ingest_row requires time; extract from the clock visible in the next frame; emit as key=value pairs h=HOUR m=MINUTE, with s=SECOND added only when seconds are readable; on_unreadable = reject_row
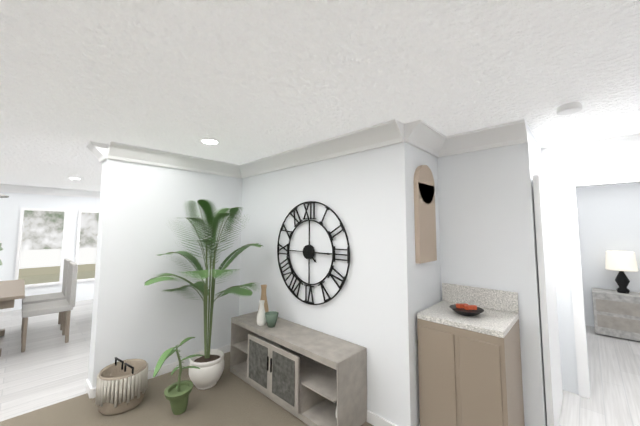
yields h=4 m=15
